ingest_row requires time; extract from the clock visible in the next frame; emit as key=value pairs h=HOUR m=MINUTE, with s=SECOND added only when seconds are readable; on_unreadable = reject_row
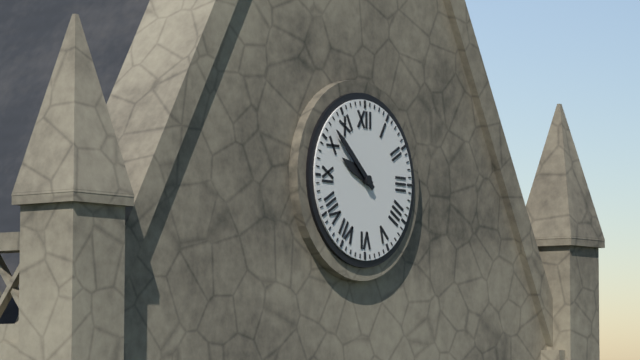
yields h=9 m=52
